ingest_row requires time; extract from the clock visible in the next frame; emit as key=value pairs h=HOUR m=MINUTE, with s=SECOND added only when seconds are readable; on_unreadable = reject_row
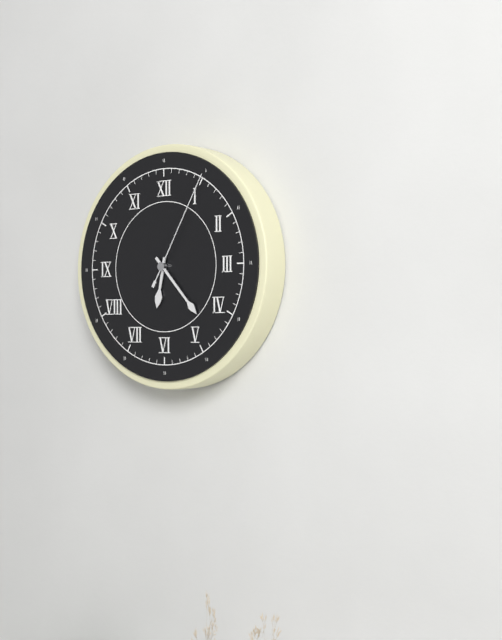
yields h=6 m=23 s=5
